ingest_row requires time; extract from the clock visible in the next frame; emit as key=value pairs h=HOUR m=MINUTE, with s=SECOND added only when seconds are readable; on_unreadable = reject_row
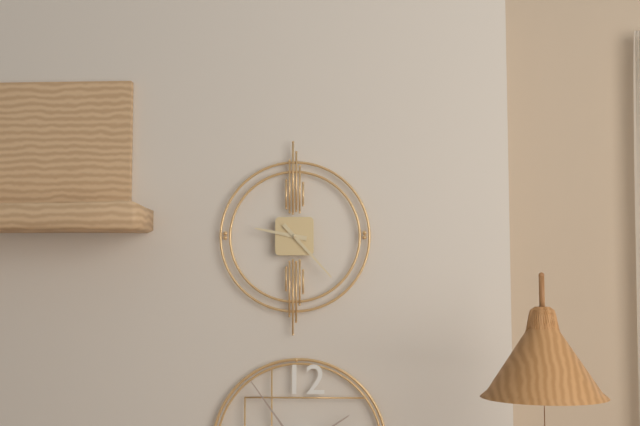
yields h=9 m=23
